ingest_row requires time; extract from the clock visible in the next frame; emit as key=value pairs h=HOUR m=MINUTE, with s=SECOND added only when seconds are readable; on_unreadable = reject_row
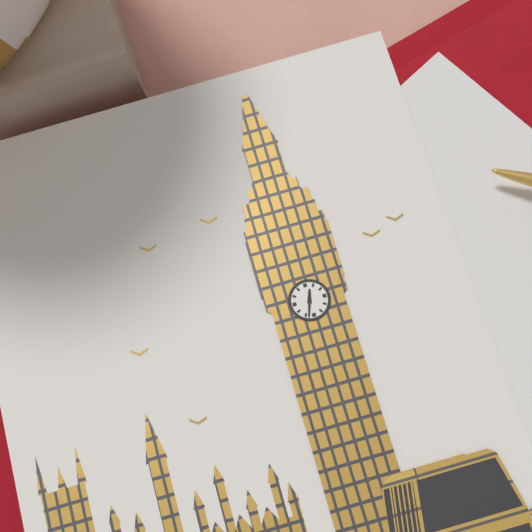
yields h=12 m=33
